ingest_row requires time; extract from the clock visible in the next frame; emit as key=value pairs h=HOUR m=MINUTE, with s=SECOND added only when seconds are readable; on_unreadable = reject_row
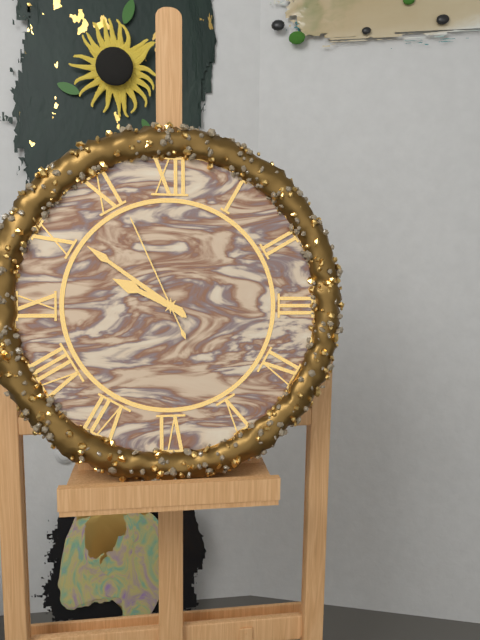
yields h=9 m=51 s=56
